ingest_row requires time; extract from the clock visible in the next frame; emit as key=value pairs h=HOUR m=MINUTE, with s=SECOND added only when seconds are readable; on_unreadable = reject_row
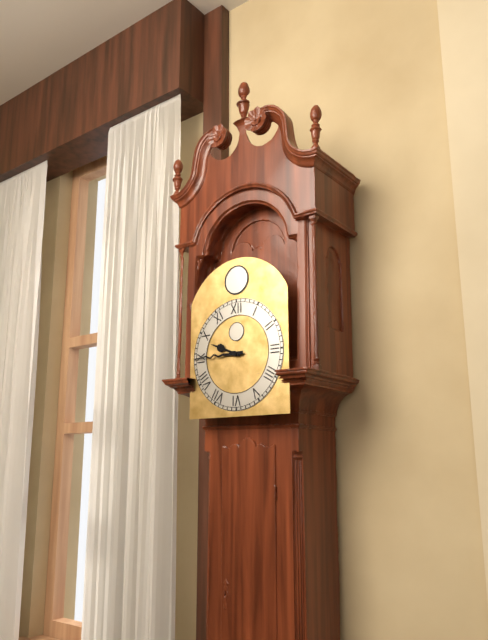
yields h=9 m=45
